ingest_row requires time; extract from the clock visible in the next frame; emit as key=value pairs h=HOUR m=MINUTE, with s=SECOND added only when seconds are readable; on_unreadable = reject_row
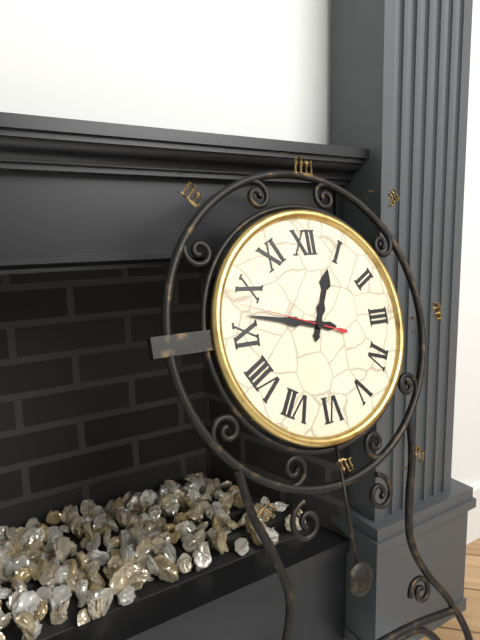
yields h=12 m=47 s=48
